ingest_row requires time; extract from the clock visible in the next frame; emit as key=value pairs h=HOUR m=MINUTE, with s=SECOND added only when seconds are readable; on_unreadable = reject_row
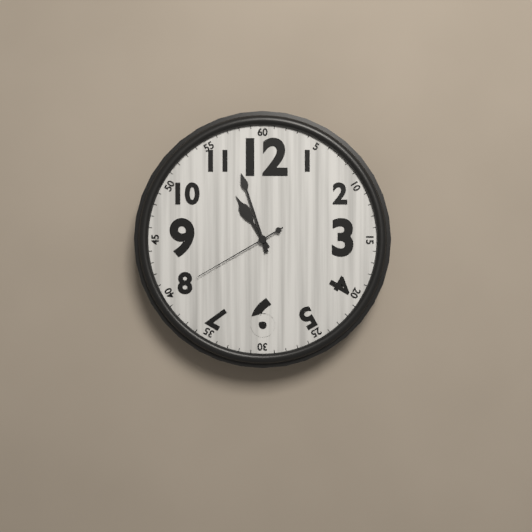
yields h=10 m=57 s=40
